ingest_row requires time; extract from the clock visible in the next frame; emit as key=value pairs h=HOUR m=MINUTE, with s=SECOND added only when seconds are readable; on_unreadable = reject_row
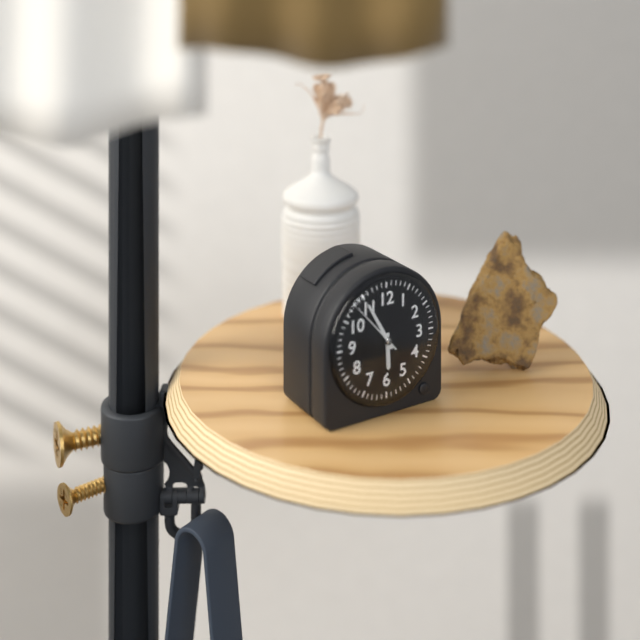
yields h=5 m=55
